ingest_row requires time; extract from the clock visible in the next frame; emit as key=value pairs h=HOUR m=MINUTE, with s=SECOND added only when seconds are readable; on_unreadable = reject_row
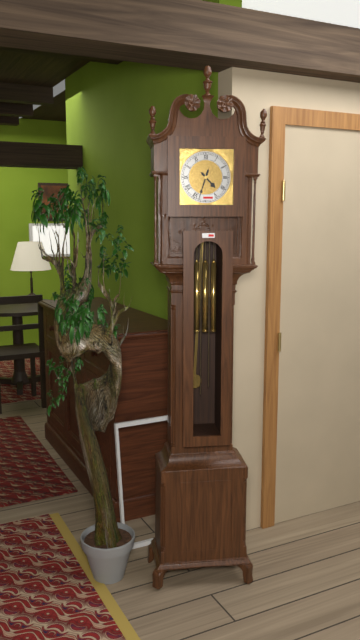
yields h=4 m=33
